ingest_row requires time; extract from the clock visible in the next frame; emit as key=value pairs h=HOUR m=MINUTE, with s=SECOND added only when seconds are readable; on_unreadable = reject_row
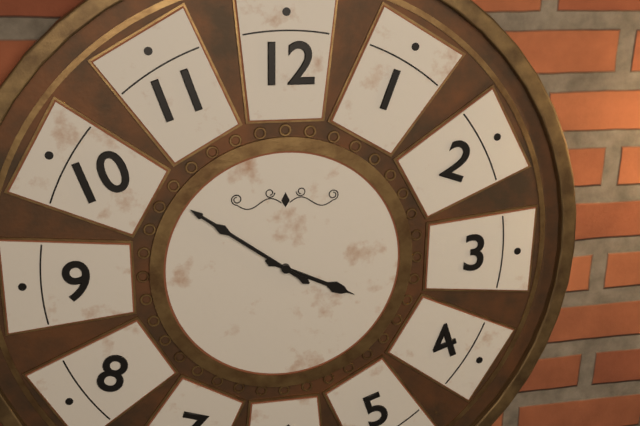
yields h=3 m=51
